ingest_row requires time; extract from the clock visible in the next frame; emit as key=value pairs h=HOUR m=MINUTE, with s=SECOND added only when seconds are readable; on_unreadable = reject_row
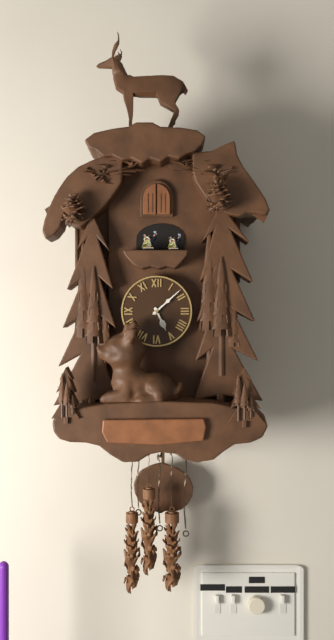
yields h=5 m=8
